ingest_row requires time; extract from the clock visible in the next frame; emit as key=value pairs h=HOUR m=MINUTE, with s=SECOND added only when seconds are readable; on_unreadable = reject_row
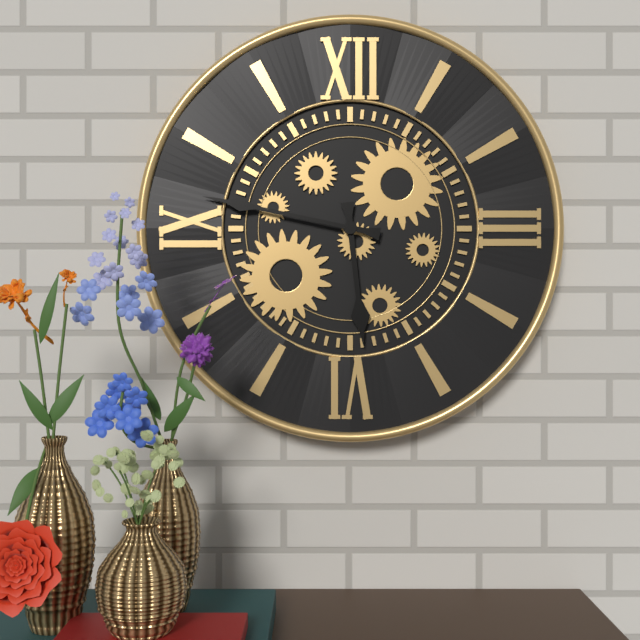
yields h=5 m=47
